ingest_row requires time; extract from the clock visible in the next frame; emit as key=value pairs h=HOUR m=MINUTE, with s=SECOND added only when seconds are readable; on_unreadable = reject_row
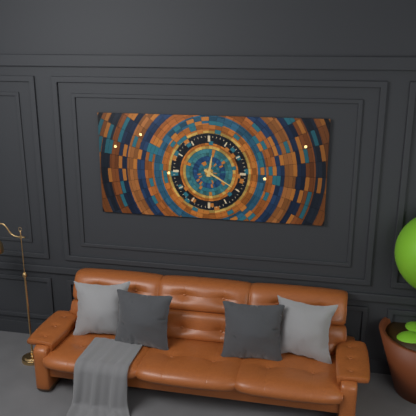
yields h=12 m=20
